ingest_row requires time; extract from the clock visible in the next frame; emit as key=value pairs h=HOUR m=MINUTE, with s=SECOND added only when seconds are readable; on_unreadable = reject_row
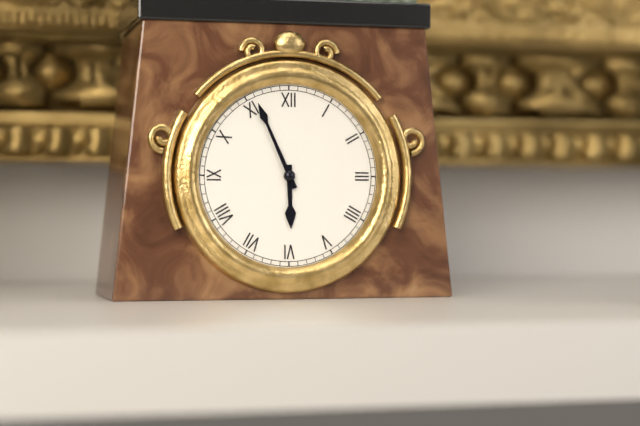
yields h=5 m=56
